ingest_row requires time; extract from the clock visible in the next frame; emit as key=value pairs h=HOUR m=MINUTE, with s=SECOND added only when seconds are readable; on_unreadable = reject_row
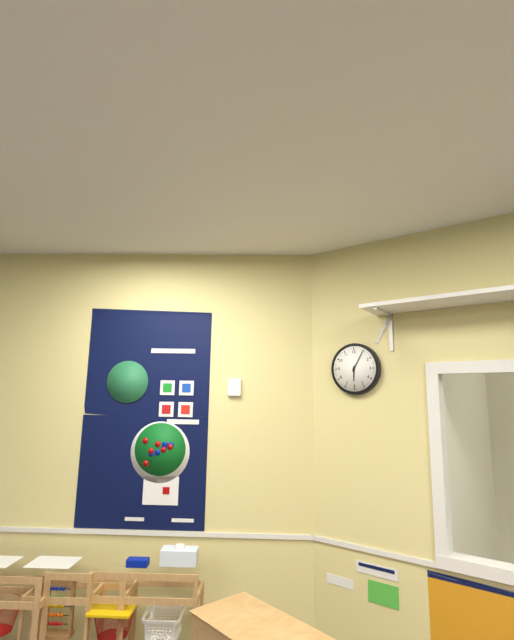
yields h=6 m=5
